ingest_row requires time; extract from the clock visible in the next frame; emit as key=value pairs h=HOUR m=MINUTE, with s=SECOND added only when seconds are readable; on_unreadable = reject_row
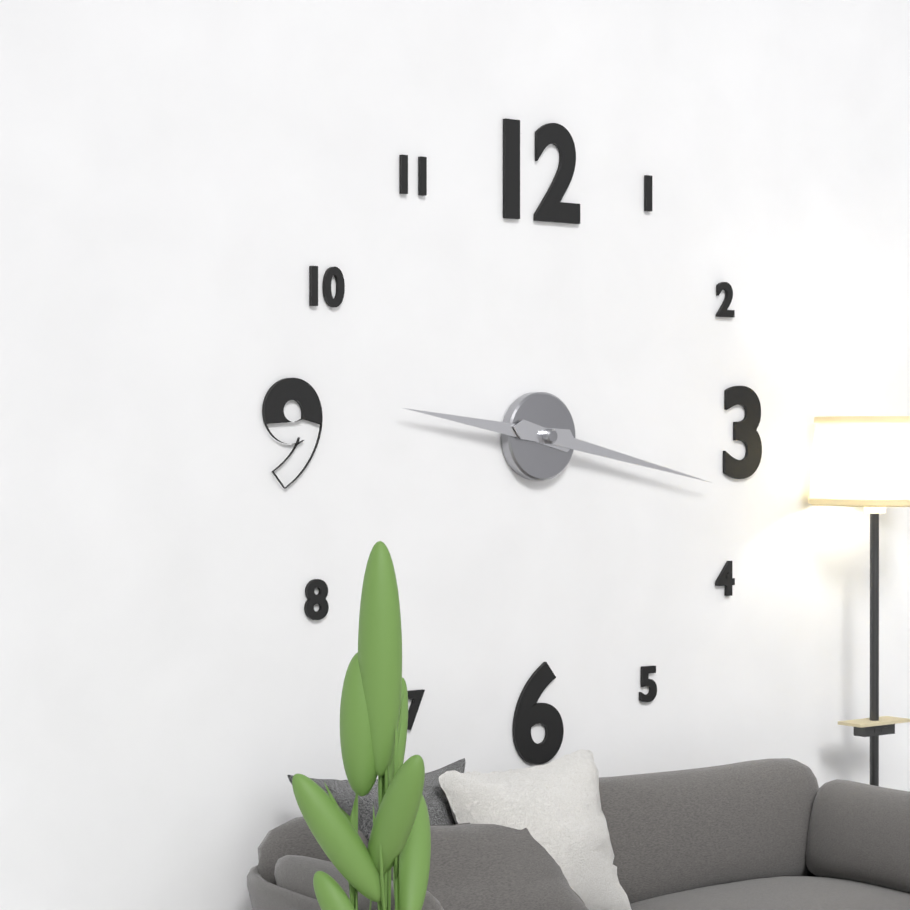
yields h=9 m=17
